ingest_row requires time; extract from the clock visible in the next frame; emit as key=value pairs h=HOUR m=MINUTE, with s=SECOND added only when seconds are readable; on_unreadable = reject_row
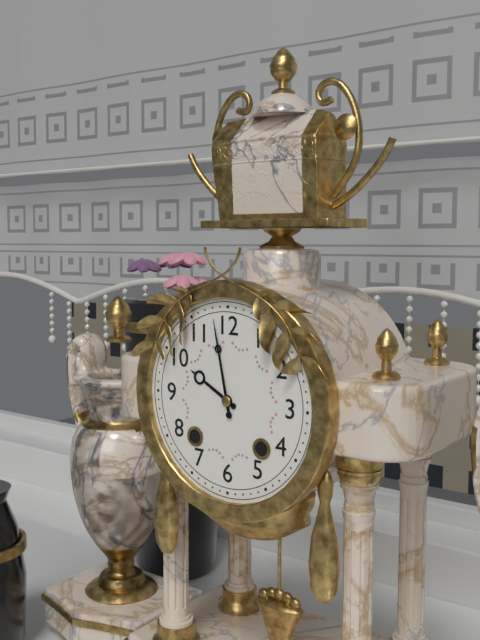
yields h=9 m=58
